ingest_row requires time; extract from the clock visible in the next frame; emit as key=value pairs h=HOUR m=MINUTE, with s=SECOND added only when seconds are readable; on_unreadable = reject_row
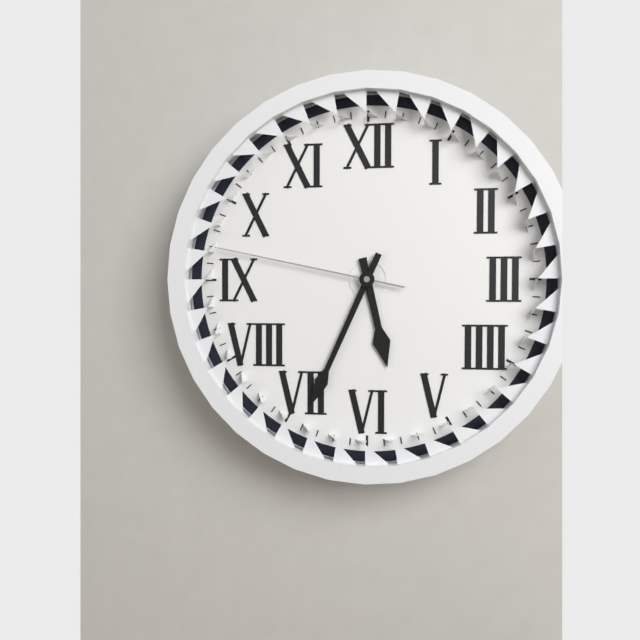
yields h=5 m=34 s=47
